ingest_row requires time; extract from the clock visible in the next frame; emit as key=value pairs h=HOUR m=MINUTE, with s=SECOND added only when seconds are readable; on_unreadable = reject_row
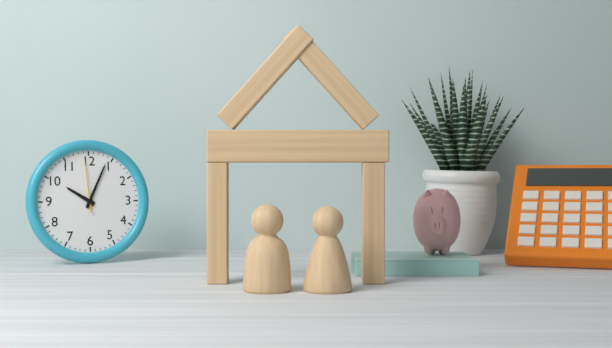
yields h=10 m=4 s=59
